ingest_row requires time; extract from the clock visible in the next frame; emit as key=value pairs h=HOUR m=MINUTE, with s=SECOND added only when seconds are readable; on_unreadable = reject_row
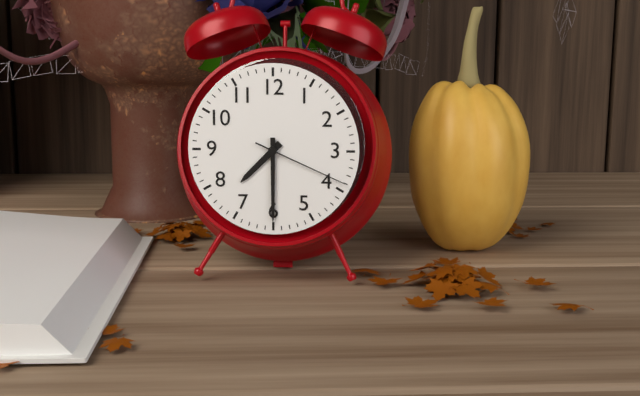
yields h=7 m=30 s=19
